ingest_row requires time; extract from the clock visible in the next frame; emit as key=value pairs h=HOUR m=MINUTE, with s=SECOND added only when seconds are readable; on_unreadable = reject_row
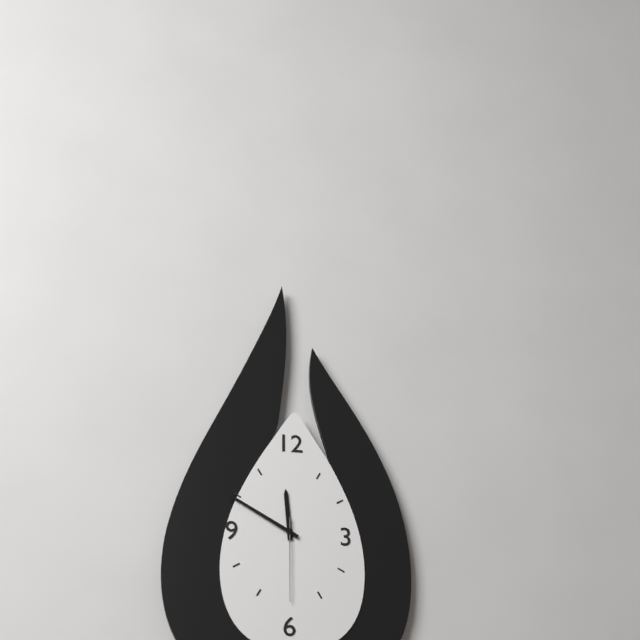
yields h=11 m=50 s=30
